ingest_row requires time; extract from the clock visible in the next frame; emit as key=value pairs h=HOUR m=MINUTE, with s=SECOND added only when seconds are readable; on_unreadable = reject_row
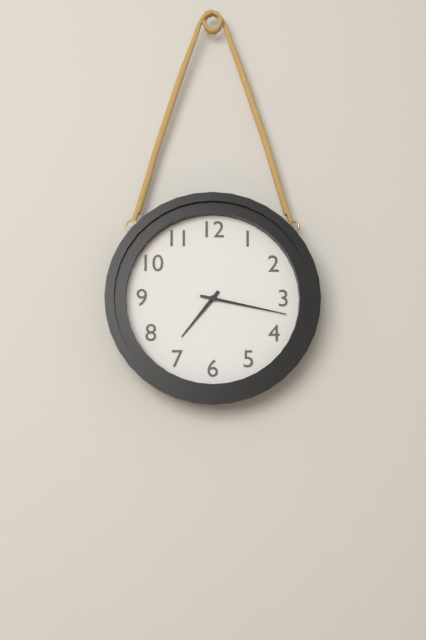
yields h=7 m=17
